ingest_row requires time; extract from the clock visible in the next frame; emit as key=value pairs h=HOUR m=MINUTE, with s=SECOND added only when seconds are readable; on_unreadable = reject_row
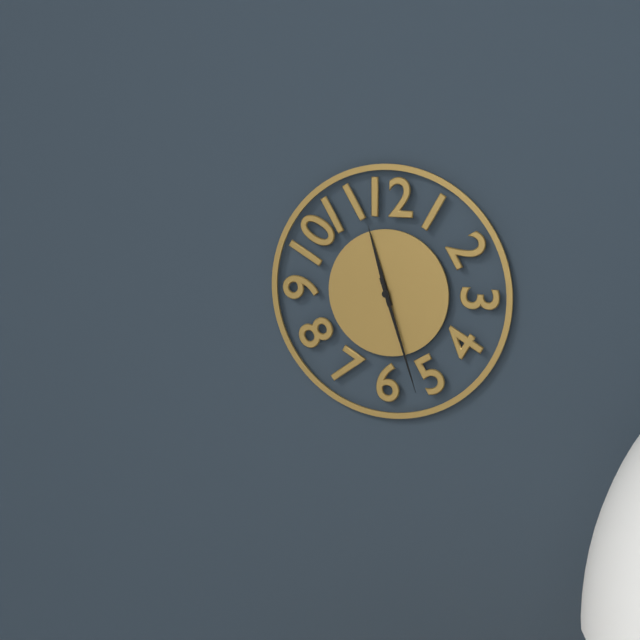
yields h=11 m=27
